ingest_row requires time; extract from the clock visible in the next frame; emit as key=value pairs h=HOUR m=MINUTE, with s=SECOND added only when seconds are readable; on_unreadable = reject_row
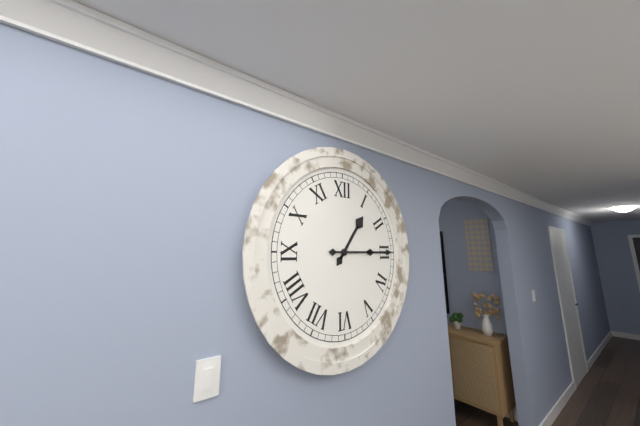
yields h=1 m=15
